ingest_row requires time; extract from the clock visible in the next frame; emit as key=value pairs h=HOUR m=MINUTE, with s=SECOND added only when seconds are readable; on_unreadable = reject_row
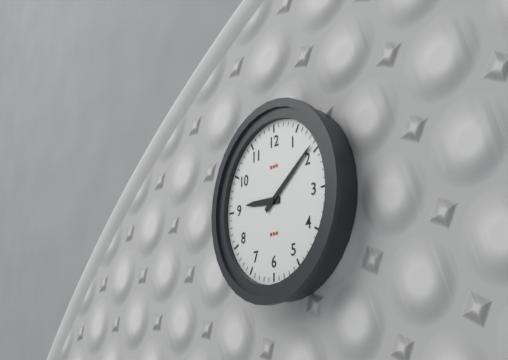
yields h=9 m=9
